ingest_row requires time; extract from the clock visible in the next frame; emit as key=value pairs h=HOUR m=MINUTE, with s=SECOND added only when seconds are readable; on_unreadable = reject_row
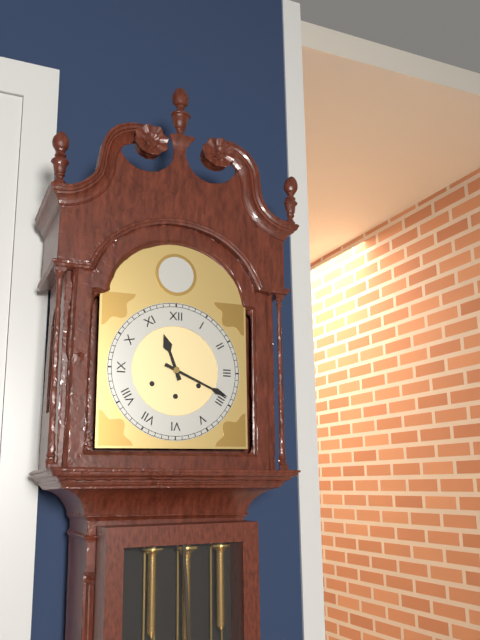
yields h=11 m=19
